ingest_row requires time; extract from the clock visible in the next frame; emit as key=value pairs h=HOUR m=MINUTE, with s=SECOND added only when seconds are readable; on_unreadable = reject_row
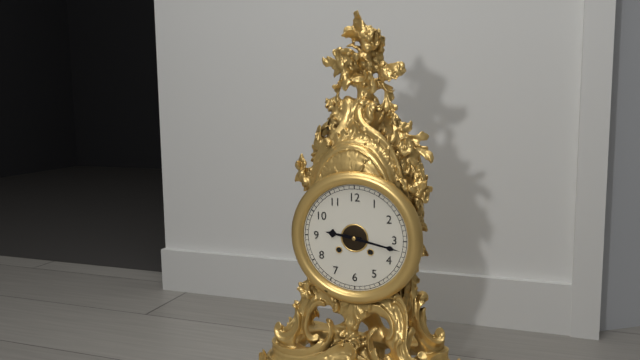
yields h=9 m=17
